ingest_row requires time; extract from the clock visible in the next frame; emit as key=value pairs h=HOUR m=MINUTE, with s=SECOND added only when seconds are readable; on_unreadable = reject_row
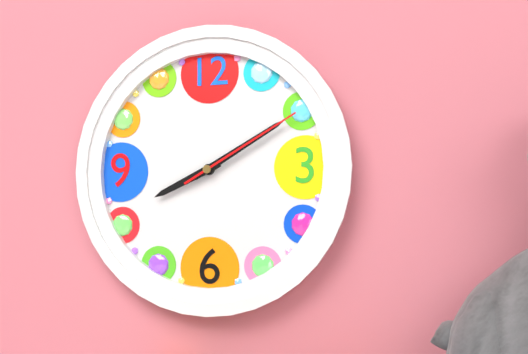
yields h=8 m=10 s=10
